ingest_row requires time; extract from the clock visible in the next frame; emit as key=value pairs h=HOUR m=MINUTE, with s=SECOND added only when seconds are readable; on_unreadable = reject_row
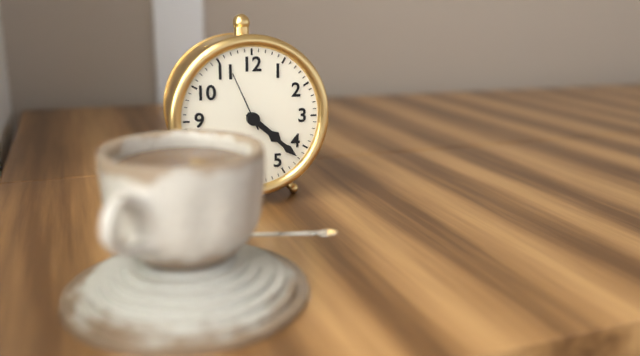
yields h=4 m=22 s=56
